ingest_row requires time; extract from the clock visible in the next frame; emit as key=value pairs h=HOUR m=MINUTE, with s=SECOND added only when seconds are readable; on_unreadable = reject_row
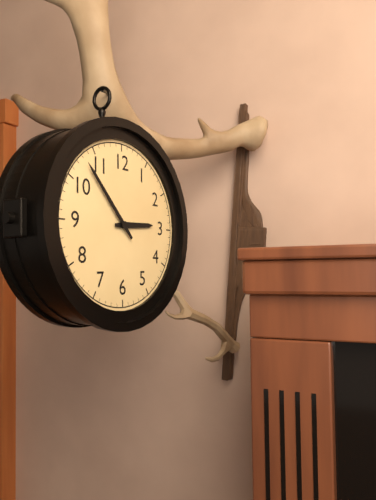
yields h=2 m=53
